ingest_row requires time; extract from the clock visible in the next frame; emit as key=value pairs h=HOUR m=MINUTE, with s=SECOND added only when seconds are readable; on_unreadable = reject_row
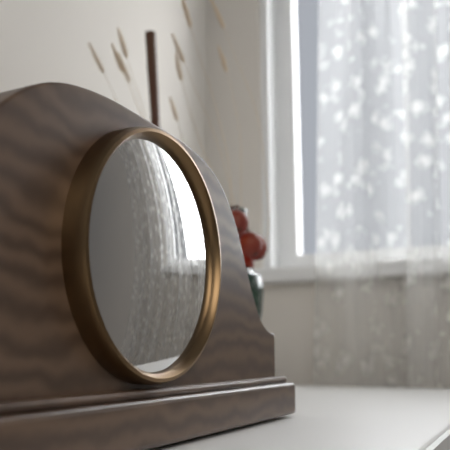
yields h=8 m=17
